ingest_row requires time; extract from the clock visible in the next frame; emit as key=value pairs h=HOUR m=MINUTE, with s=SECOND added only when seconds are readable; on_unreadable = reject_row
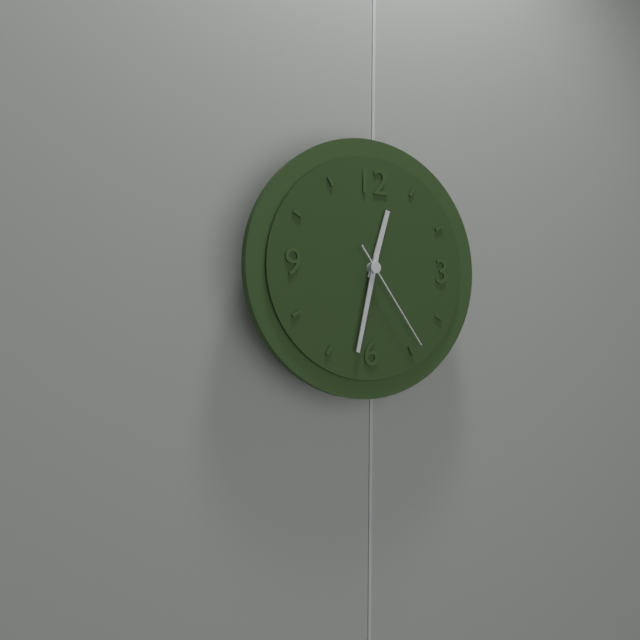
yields h=12 m=32 s=24
